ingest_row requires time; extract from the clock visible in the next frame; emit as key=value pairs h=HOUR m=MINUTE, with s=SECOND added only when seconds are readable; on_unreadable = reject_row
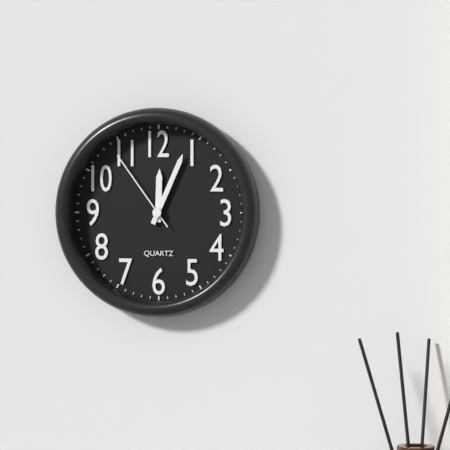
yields h=12 m=4 s=54
